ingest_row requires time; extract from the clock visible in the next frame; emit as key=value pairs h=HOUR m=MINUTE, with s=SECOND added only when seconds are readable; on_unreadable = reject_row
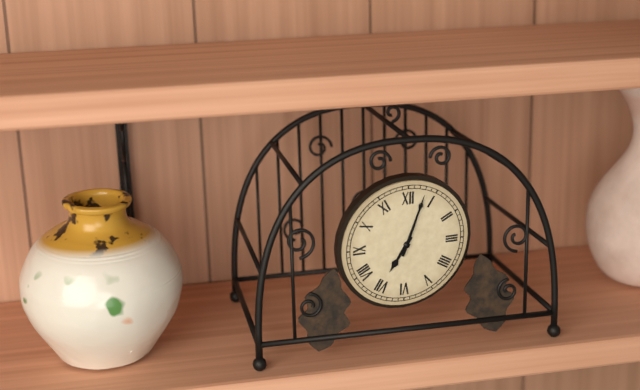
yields h=7 m=3
